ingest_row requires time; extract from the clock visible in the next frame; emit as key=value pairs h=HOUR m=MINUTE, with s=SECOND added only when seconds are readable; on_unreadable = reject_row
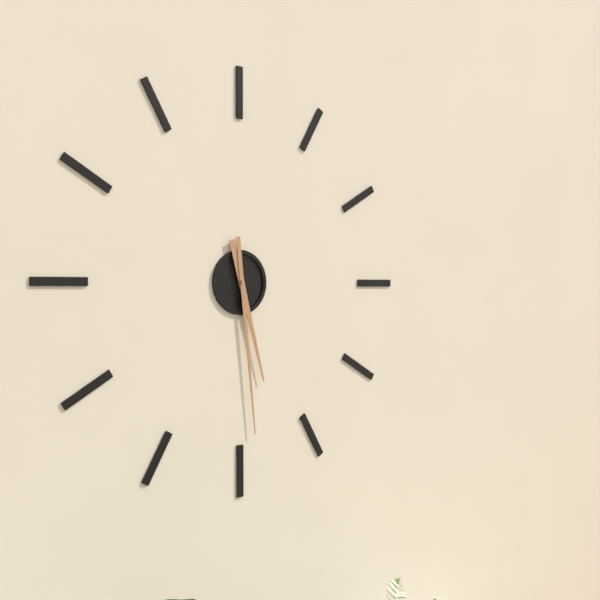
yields h=5 m=29
